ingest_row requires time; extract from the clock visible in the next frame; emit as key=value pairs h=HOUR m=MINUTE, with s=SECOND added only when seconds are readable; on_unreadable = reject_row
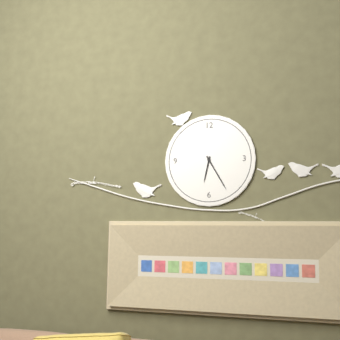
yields h=6 m=25
